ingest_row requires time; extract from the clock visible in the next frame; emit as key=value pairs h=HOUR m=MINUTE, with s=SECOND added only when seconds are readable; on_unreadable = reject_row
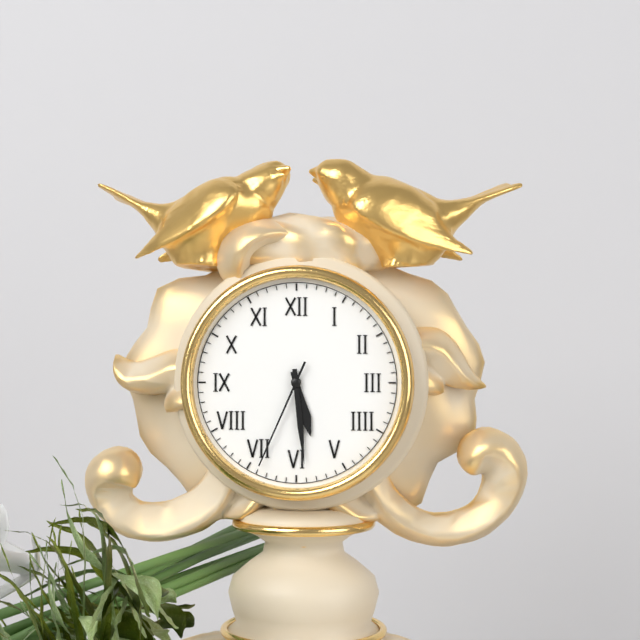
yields h=5 m=29 s=34
